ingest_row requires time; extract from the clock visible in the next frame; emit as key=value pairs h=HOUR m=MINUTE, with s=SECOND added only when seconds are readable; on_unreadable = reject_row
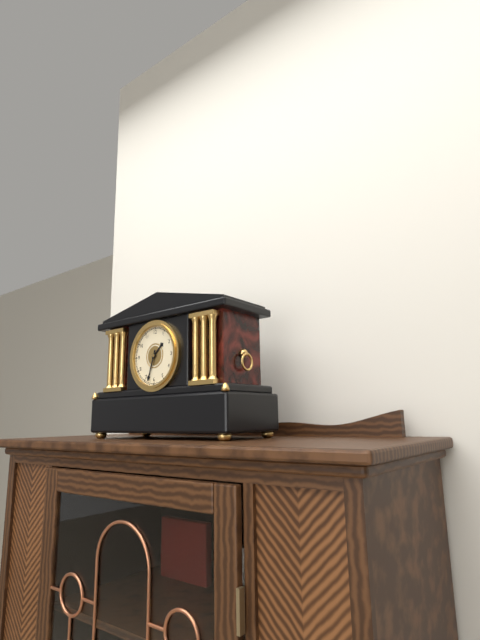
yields h=1 m=33
